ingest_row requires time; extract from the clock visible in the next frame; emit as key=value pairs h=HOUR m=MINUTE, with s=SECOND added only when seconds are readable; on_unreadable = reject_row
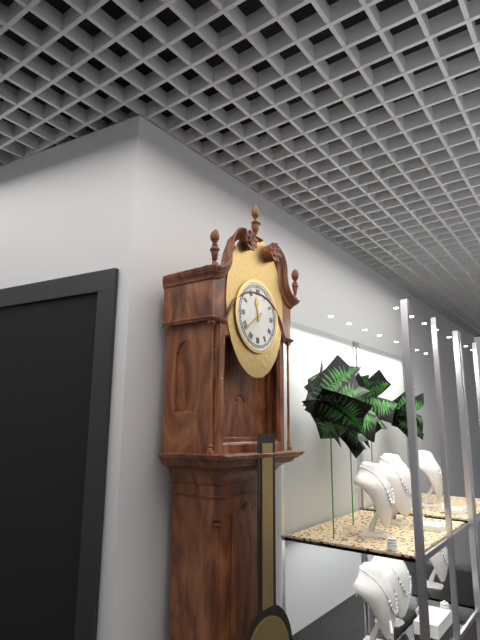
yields h=11 m=39
